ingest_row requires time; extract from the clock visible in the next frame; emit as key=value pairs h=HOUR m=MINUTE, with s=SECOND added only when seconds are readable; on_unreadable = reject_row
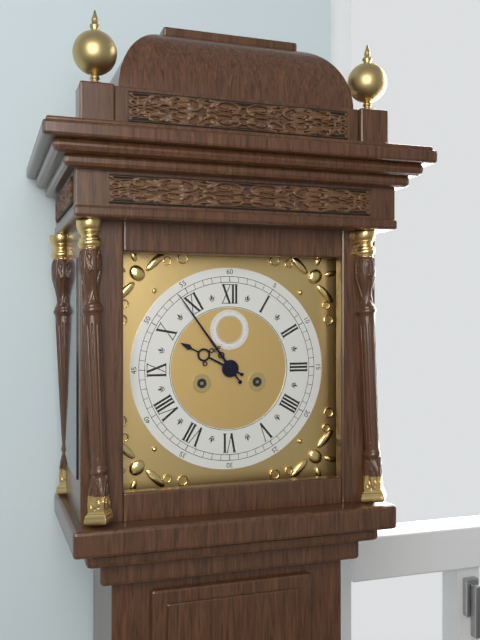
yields h=9 m=54
